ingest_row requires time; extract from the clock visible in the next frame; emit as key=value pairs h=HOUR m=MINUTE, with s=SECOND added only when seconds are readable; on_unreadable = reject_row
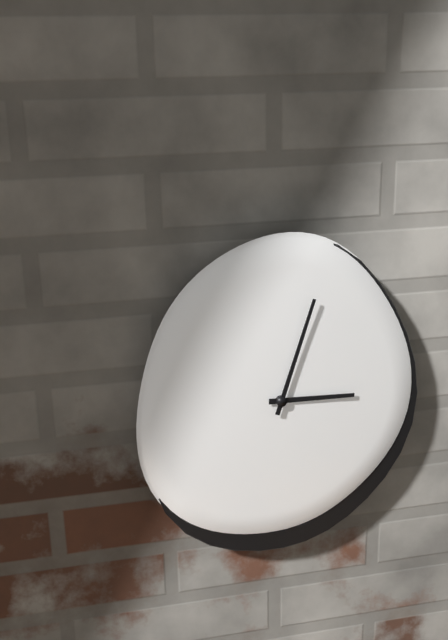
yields h=3 m=3
